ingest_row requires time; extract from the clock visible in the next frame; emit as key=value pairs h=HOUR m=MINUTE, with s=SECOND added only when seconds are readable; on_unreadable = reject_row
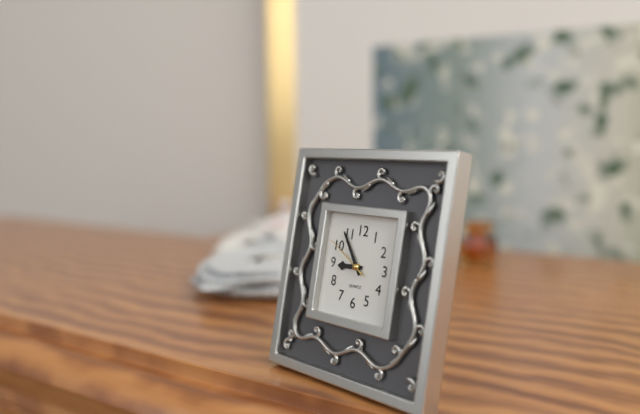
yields h=8 m=54
